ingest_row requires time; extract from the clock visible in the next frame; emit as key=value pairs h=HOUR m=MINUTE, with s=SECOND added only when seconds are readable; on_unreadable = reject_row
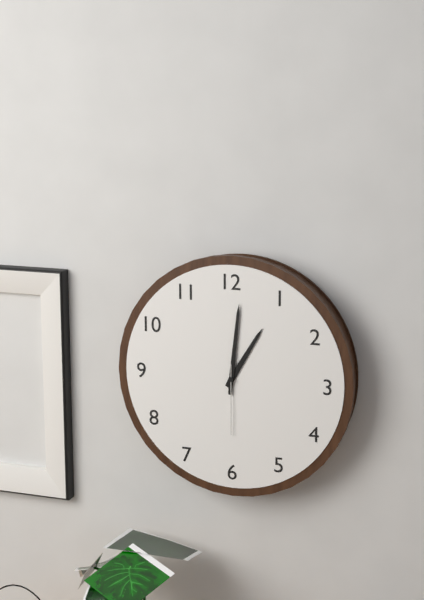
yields h=1 m=1 s=30
